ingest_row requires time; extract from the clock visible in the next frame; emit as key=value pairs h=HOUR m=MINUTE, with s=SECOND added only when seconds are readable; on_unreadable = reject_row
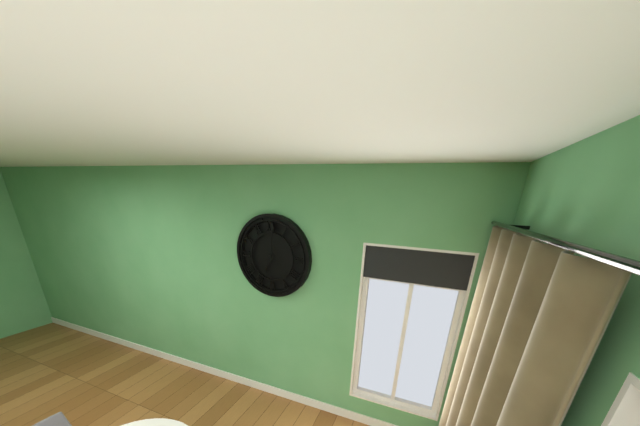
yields h=7 m=1
